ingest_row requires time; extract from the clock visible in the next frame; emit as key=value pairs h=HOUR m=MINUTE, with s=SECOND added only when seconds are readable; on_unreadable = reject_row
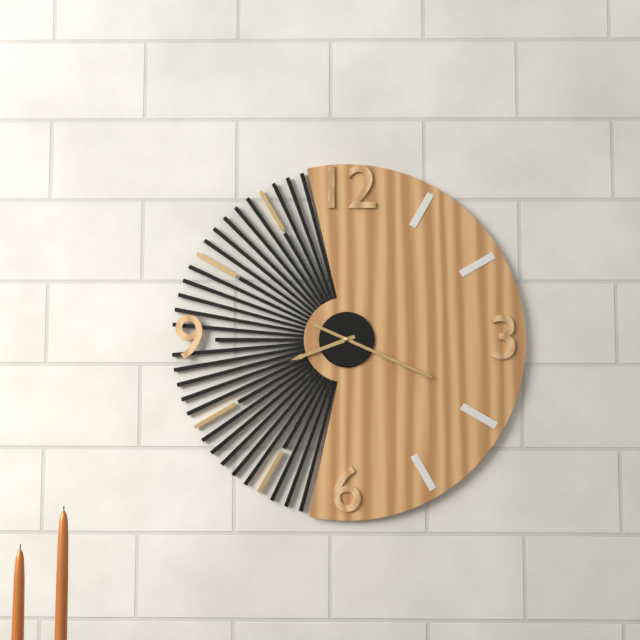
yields h=8 m=19
